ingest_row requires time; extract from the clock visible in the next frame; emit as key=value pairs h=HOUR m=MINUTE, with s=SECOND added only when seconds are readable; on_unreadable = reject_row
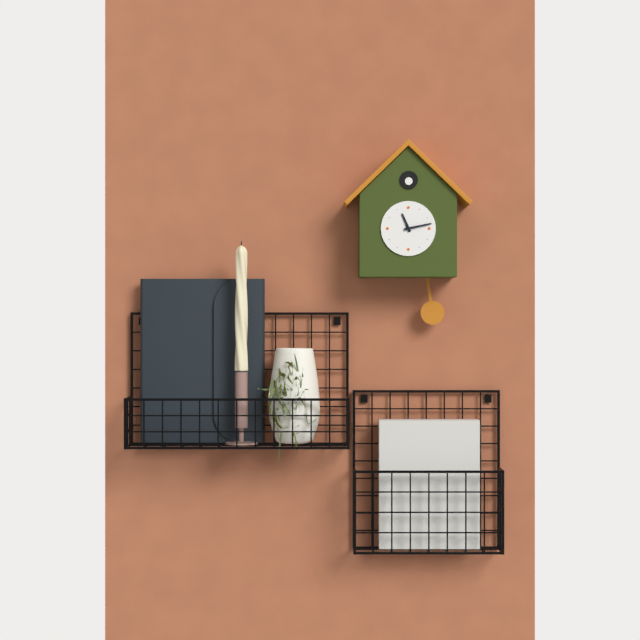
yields h=11 m=13
